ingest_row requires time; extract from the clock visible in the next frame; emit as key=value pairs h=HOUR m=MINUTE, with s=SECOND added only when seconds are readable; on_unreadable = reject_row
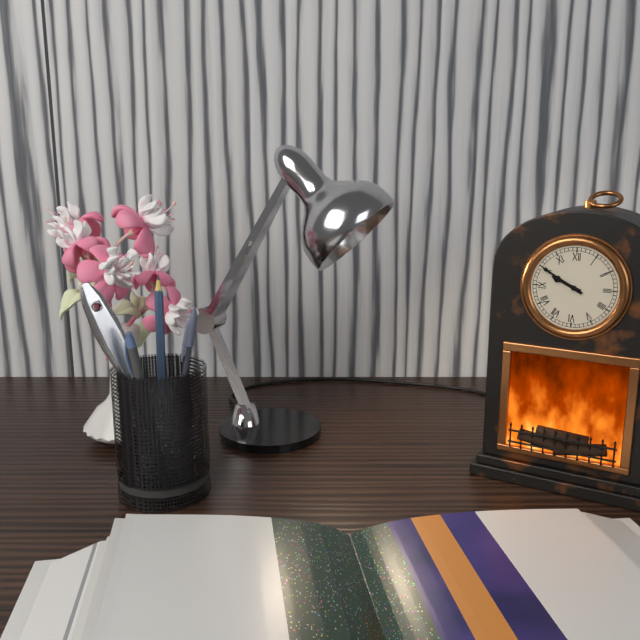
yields h=9 m=50
